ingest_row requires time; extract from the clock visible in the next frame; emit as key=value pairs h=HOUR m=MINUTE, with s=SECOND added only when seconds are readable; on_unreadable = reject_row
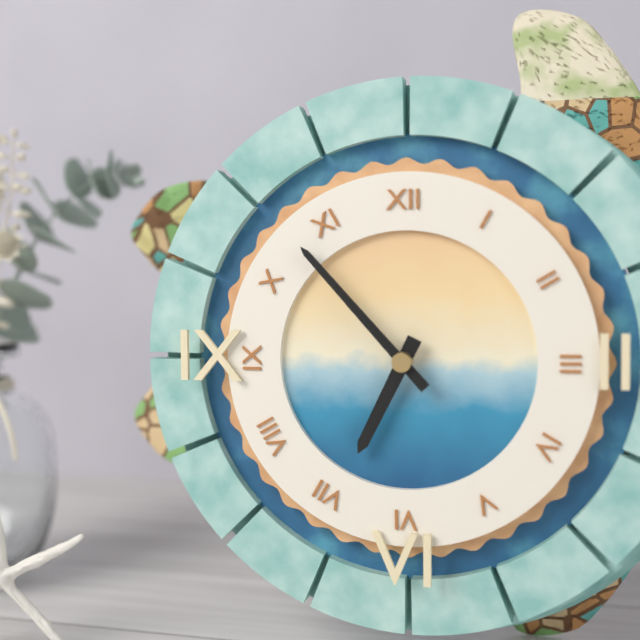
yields h=6 m=53
